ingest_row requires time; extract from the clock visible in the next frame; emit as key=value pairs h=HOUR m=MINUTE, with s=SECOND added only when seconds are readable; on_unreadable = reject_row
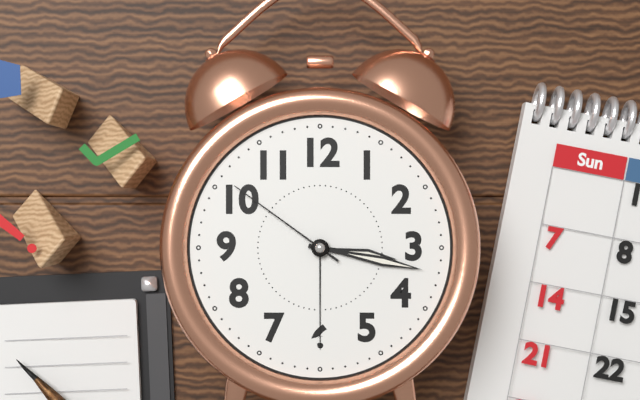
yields h=3 m=17 s=51
